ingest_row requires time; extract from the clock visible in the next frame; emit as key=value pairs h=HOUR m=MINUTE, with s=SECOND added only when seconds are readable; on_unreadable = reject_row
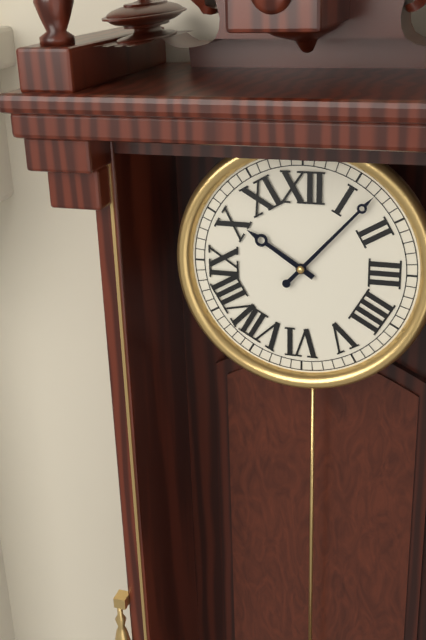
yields h=10 m=7
